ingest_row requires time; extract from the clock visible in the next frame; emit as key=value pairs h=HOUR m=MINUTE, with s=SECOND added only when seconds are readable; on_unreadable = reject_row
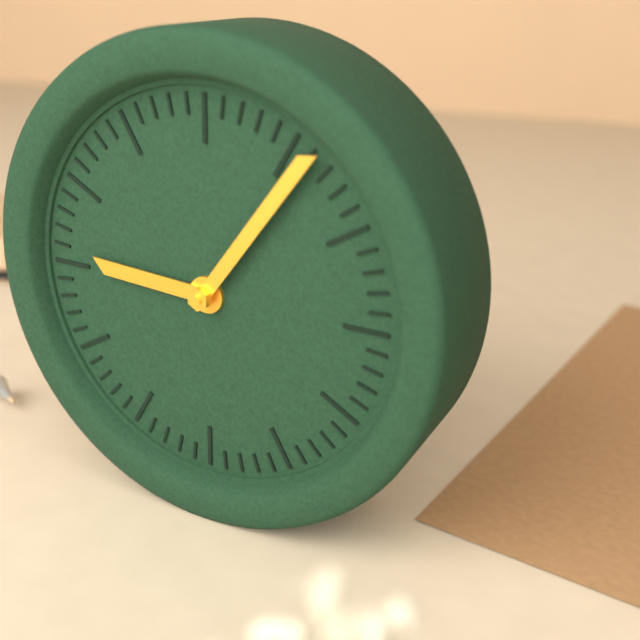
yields h=9 m=6
